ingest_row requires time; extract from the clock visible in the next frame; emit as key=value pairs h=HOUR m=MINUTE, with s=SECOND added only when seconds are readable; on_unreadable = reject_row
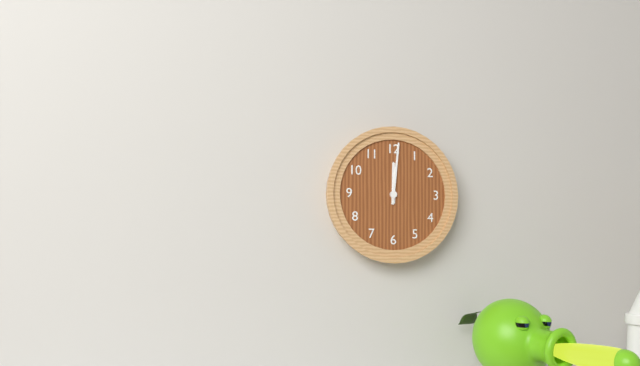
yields h=12 m=1
